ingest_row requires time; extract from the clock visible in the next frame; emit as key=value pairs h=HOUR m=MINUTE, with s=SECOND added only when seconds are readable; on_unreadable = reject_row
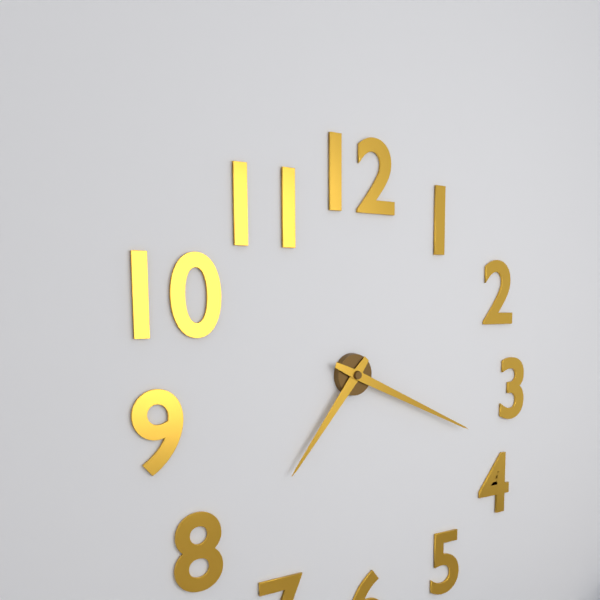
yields h=7 m=19
